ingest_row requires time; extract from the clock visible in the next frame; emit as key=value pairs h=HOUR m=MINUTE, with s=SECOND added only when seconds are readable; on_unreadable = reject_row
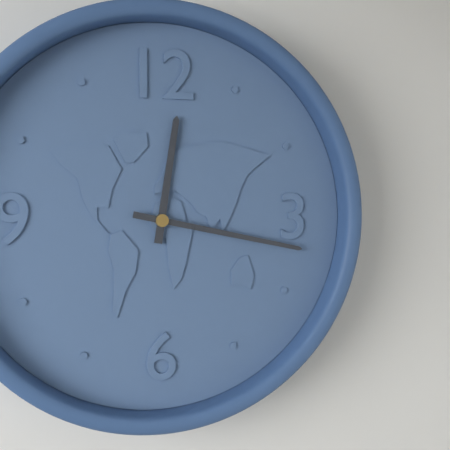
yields h=12 m=17
